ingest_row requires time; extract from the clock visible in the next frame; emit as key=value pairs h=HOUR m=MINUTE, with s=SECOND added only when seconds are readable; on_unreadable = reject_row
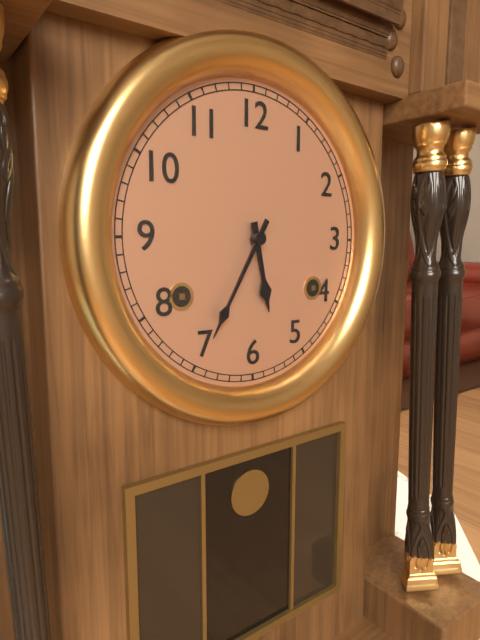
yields h=5 m=35
